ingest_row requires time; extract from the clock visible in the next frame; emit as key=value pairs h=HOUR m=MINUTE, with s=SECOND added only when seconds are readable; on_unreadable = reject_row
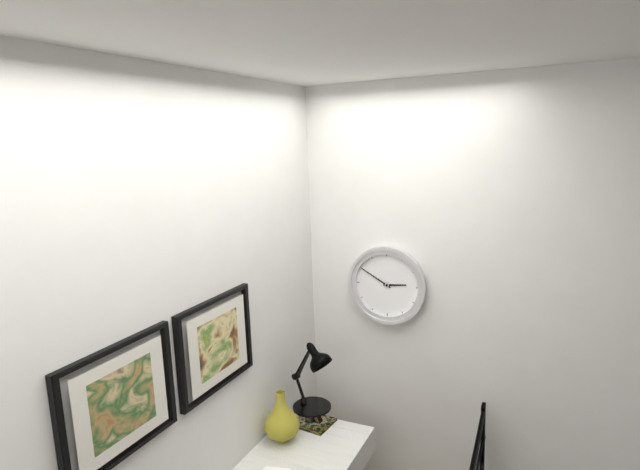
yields h=2 m=50
